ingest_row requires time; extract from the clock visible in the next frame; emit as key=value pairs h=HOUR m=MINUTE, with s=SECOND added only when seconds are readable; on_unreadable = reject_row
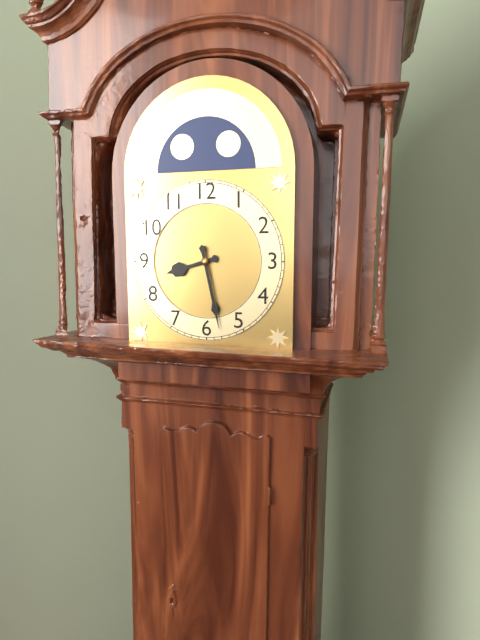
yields h=8 m=28
